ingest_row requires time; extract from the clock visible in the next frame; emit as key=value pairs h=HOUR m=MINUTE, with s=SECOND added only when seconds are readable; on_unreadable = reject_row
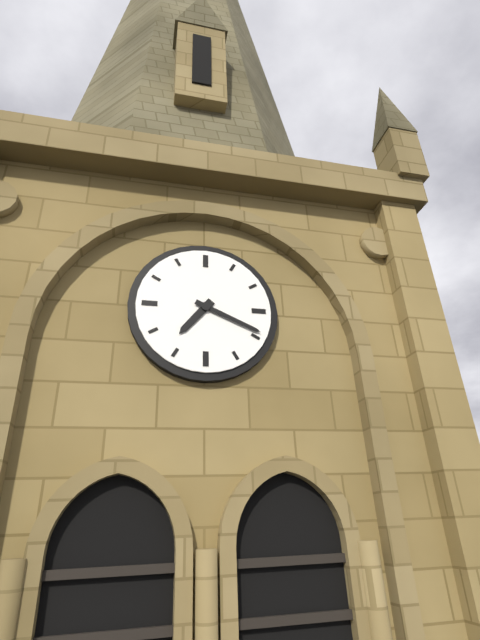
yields h=7 m=19
